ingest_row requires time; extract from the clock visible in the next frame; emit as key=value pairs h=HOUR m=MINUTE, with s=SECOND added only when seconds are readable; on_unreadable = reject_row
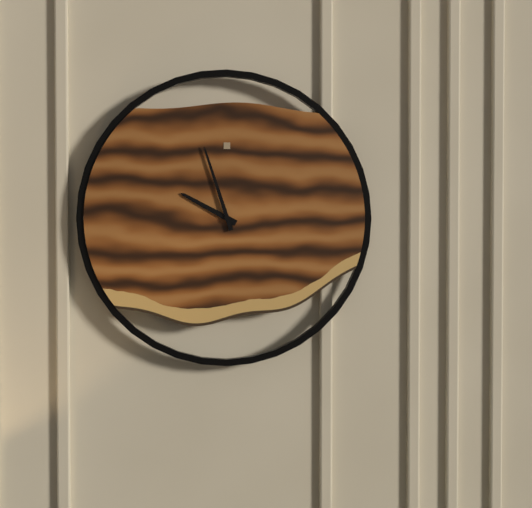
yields h=9 m=57
